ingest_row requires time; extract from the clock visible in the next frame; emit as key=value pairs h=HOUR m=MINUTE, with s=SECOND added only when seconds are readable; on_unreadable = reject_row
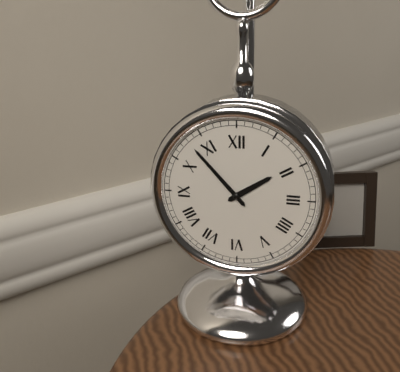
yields h=1 m=53
